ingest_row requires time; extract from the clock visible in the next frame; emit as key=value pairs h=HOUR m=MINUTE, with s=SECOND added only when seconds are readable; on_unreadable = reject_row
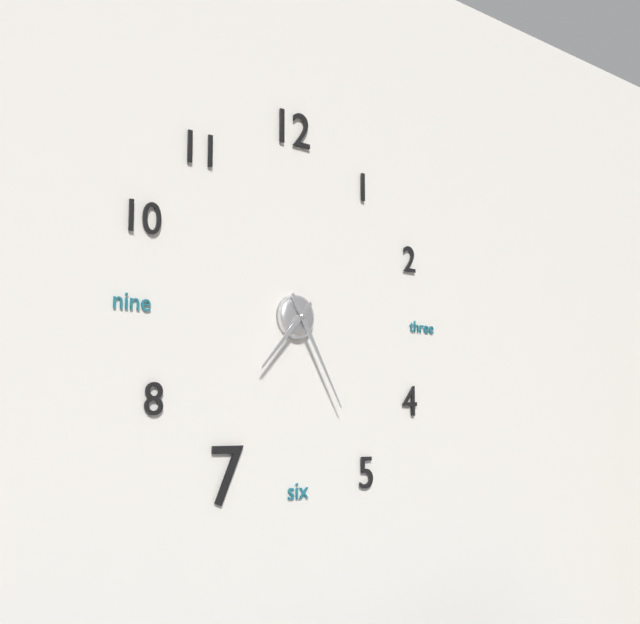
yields h=7 m=25
